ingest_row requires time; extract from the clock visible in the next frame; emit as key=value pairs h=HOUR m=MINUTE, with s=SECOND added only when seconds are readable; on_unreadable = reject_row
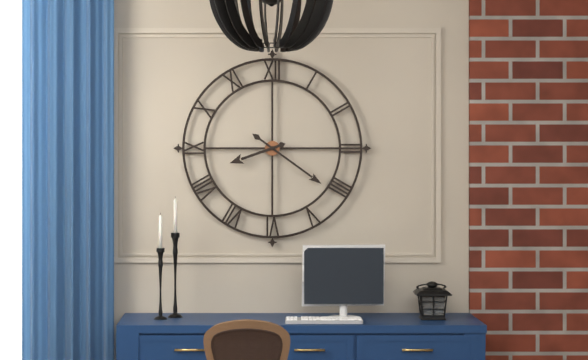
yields h=8 m=21
